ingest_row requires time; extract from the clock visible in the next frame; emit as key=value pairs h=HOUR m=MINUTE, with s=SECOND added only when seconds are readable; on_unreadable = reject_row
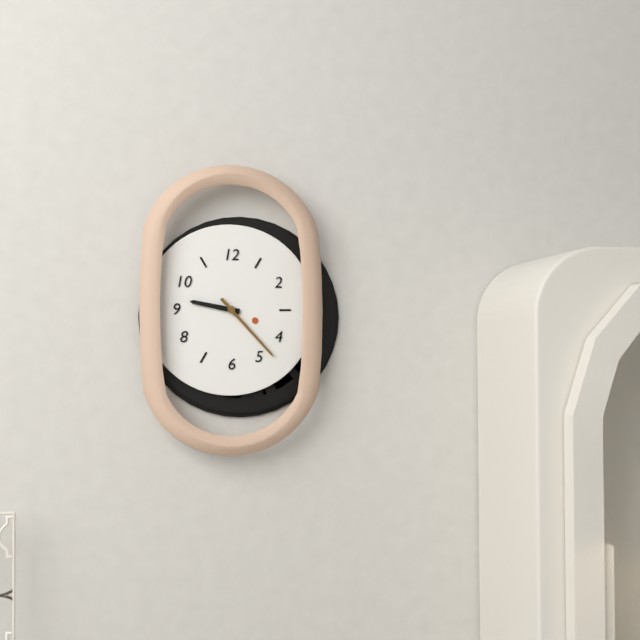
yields h=9 m=23
